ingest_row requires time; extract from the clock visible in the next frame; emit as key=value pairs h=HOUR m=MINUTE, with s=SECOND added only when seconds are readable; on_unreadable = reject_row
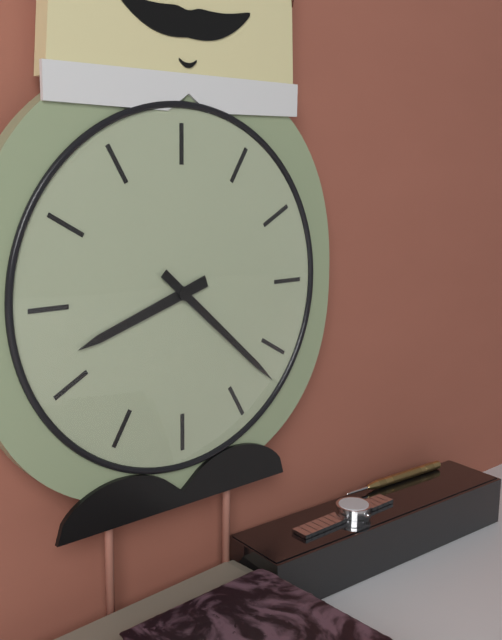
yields h=8 m=22
